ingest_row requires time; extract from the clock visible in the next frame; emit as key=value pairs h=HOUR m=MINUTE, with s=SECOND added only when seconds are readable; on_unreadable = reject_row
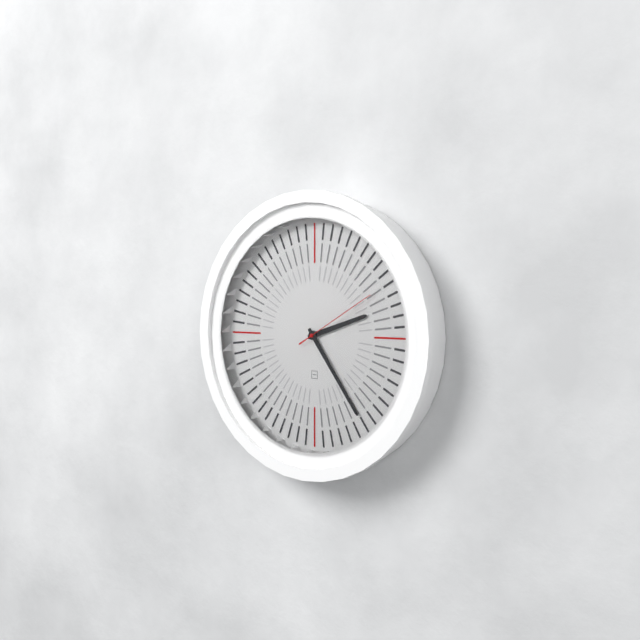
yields h=2 m=24 s=10
